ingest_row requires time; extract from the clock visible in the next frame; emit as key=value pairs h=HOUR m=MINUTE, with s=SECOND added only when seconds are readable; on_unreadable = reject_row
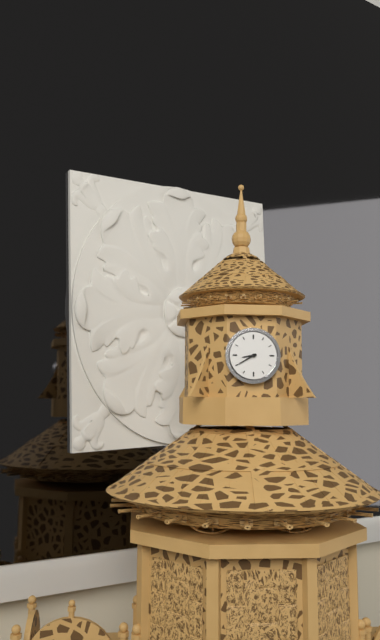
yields h=8 m=40
